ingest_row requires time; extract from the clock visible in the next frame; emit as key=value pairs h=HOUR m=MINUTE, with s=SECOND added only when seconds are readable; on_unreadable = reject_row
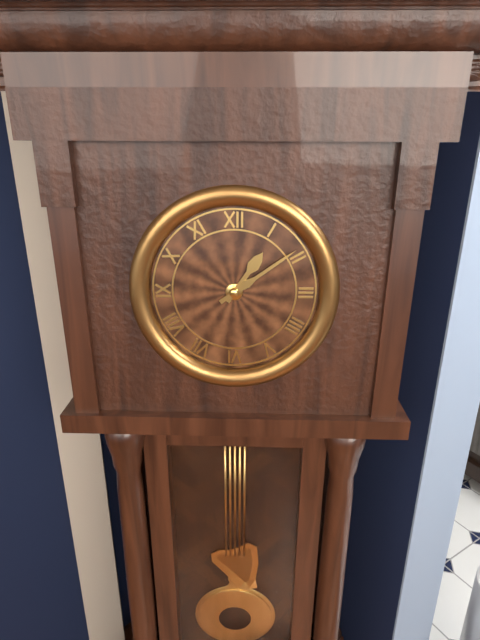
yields h=1 m=9
